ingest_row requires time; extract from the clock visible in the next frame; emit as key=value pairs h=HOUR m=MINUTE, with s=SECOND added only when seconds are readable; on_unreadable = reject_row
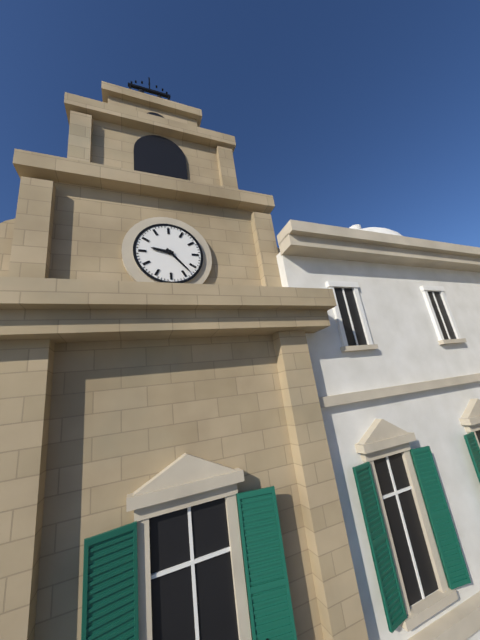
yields h=9 m=23
